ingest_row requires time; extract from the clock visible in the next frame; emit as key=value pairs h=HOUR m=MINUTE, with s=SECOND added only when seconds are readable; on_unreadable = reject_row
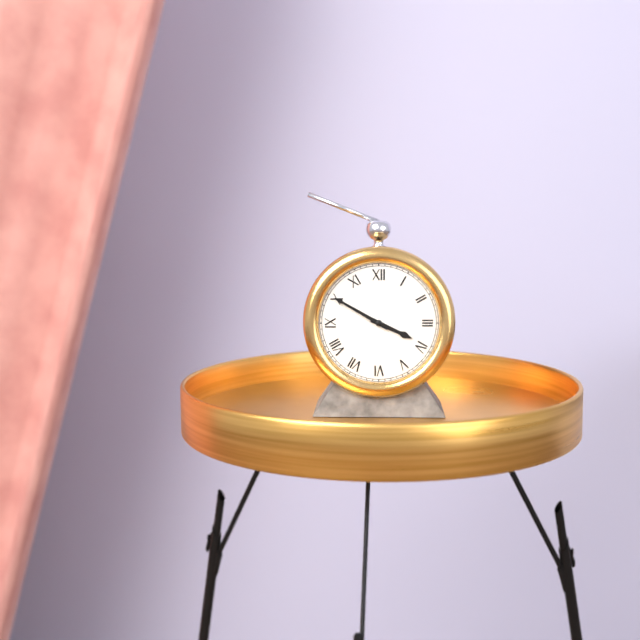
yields h=3 m=50
